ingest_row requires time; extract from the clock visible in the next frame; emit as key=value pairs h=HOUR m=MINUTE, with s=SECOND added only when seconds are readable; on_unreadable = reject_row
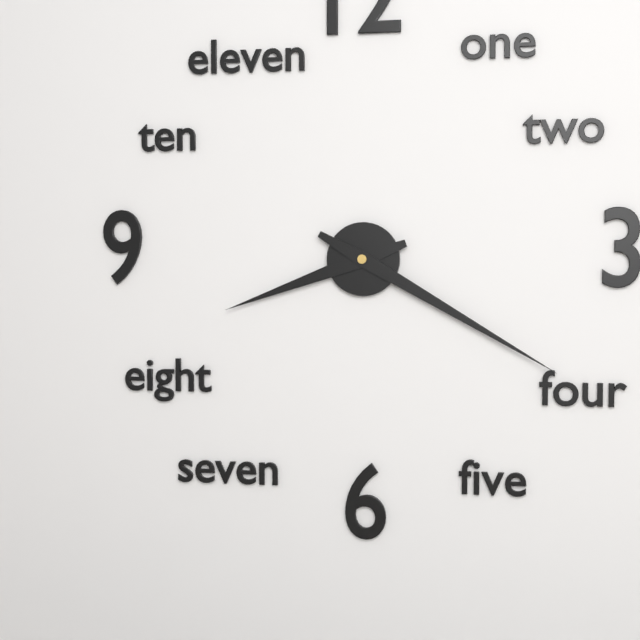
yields h=8 m=20
